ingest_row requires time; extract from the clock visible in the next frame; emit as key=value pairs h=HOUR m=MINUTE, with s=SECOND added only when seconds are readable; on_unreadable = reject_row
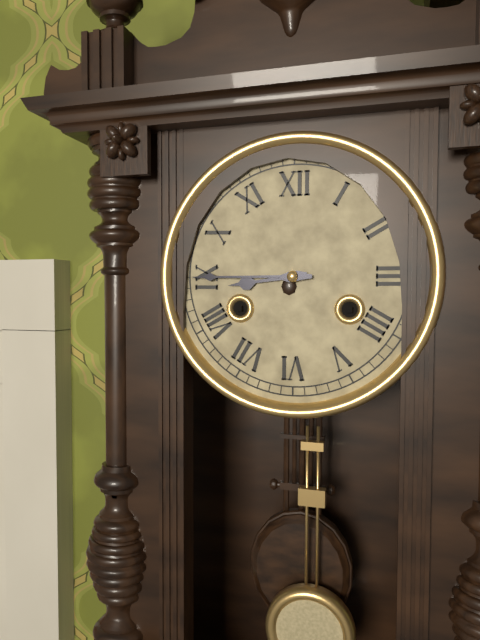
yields h=8 m=45
